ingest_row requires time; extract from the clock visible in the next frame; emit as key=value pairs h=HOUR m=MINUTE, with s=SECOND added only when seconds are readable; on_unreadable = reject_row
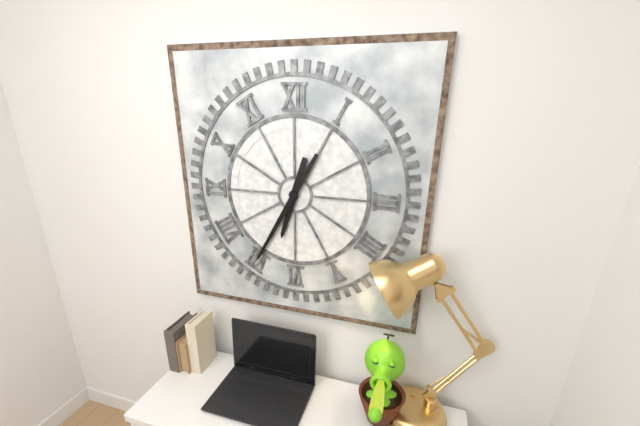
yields h=6 m=35
